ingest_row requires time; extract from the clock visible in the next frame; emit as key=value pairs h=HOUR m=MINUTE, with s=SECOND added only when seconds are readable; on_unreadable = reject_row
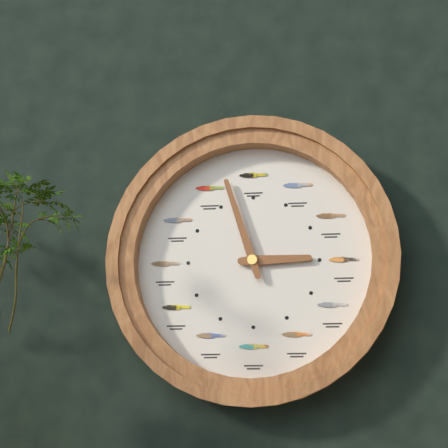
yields h=2 m=57
